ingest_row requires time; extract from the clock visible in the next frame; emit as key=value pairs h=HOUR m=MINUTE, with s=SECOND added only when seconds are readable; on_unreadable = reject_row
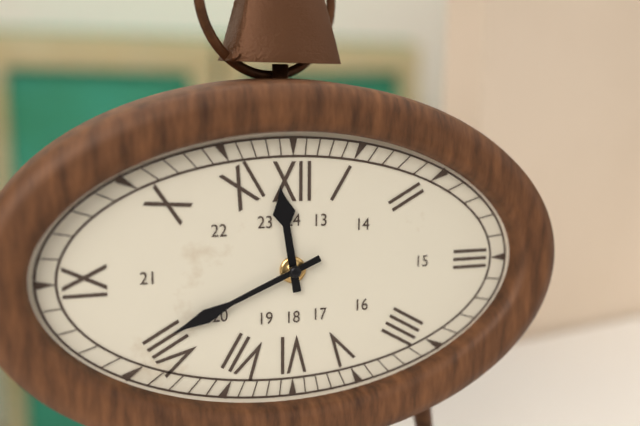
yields h=11 m=41
